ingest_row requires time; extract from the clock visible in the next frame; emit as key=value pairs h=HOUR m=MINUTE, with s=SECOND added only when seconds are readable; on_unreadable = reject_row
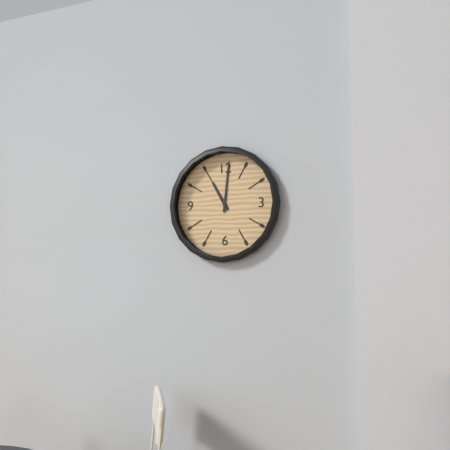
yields h=11 m=1
